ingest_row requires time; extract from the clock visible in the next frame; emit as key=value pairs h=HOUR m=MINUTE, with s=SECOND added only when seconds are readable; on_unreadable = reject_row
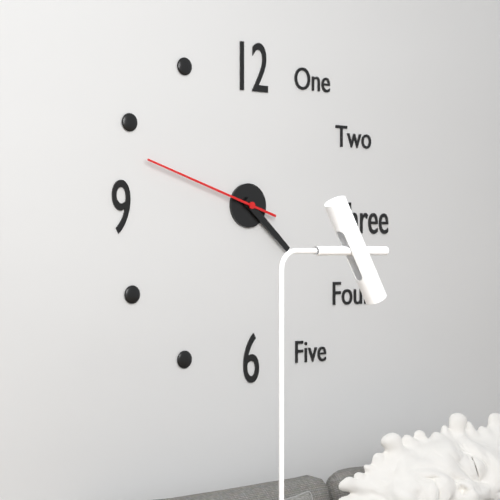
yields h=4 m=22 s=48
